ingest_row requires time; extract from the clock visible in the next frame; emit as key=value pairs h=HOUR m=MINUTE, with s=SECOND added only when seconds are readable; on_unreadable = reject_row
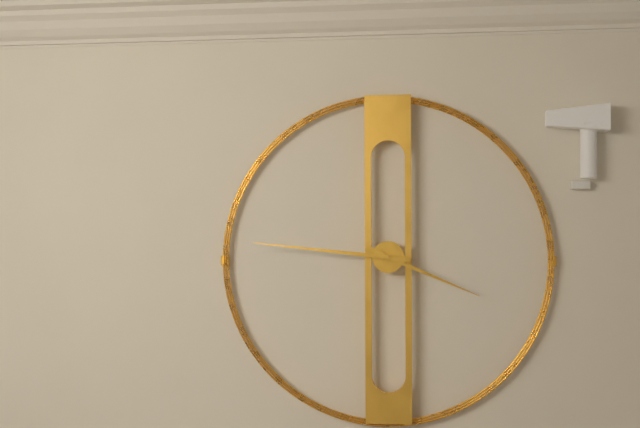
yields h=3 m=46
